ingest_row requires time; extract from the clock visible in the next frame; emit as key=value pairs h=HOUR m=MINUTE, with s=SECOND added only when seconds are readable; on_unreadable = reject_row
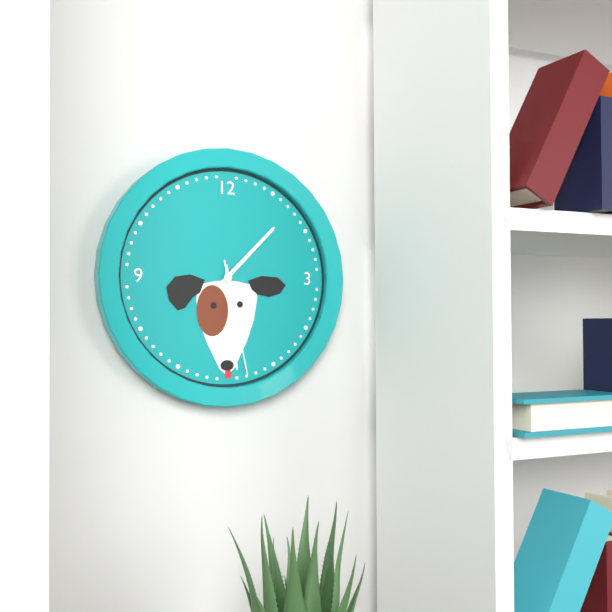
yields h=1 m=29 s=28
